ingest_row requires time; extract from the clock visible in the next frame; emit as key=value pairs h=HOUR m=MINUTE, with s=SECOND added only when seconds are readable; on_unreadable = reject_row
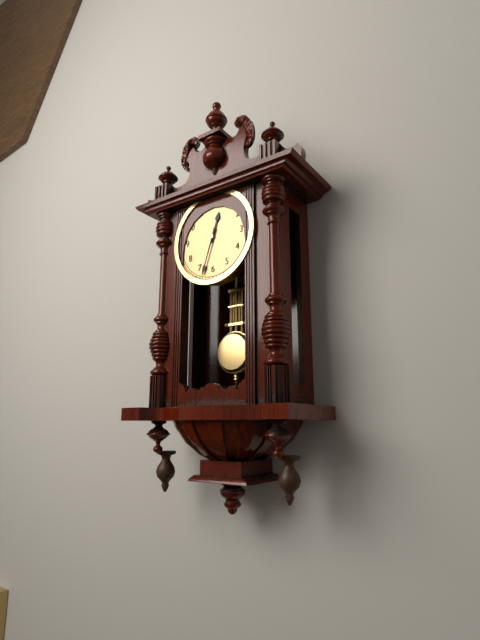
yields h=12 m=33
